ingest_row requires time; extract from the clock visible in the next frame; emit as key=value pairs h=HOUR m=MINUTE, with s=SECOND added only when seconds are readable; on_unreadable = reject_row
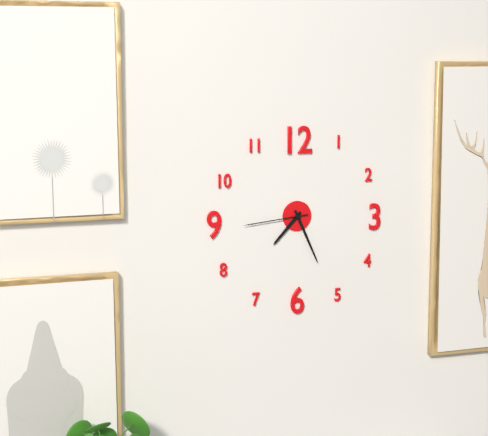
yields h=7 m=26 s=44
